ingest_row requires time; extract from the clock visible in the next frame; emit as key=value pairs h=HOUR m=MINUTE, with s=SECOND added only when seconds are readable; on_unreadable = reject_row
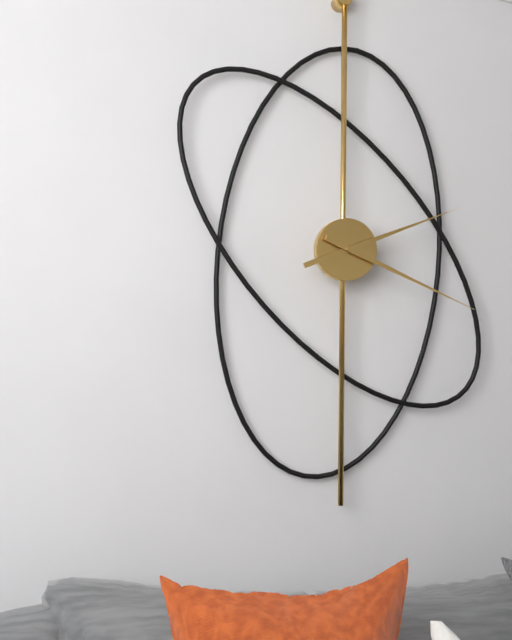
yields h=2 m=19
